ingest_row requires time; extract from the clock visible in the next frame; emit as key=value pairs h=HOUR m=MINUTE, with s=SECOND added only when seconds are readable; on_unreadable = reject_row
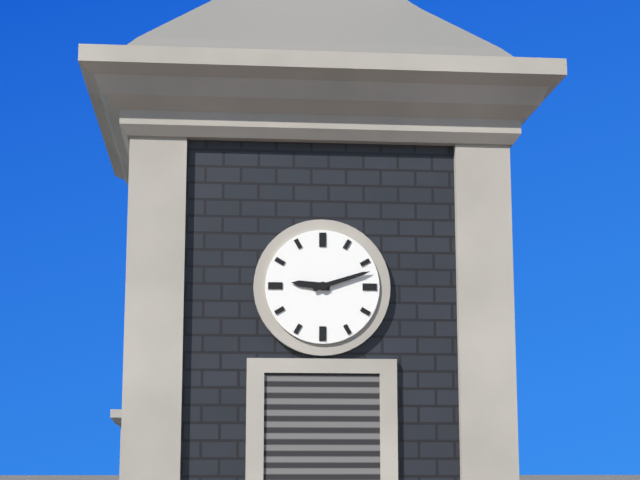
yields h=9 m=12
